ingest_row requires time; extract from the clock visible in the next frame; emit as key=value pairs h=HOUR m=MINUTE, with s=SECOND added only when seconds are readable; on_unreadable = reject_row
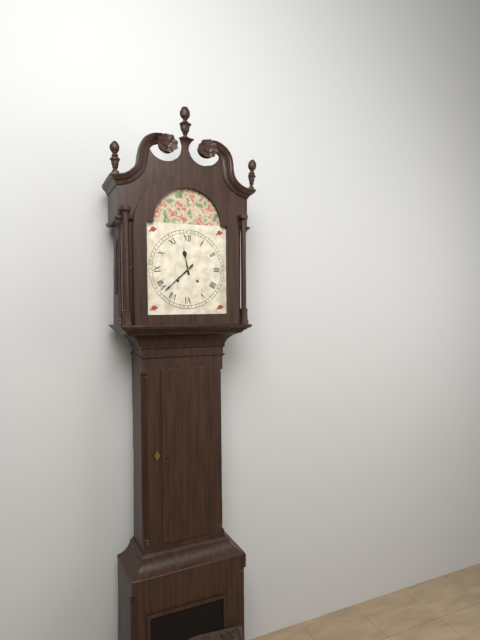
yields h=11 m=38
